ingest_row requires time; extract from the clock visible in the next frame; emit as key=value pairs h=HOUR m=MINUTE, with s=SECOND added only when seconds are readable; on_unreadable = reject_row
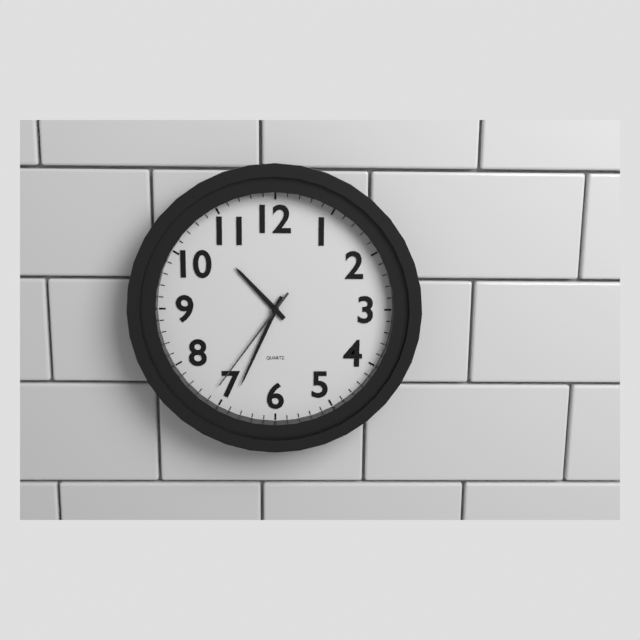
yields h=10 m=34 s=36
